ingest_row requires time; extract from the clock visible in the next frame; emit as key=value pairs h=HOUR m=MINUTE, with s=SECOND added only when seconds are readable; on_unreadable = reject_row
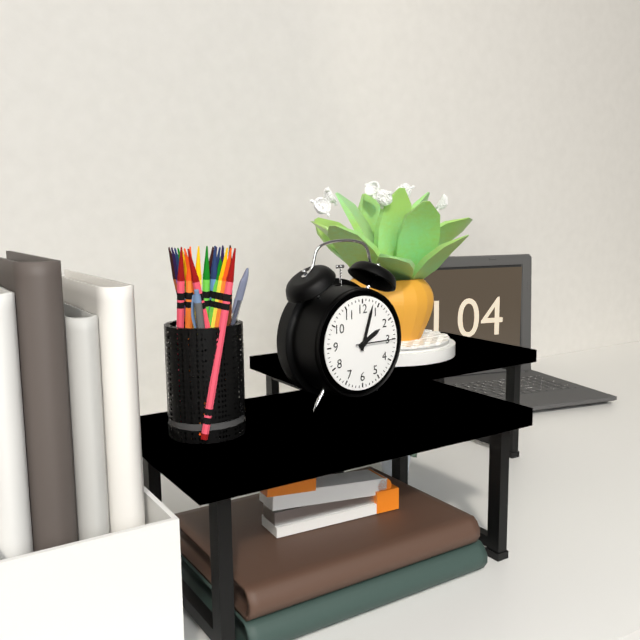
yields h=2 m=3
